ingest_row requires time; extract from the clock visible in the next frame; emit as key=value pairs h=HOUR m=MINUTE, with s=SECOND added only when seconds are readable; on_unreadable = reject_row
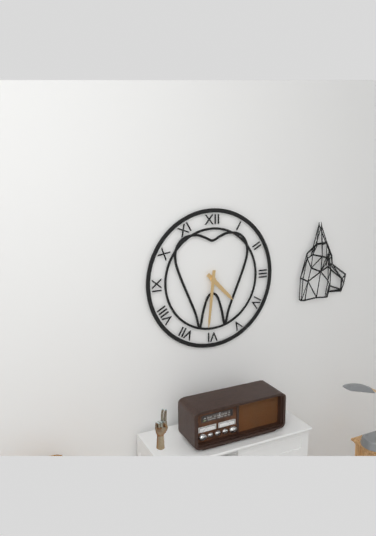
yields h=4 m=31
